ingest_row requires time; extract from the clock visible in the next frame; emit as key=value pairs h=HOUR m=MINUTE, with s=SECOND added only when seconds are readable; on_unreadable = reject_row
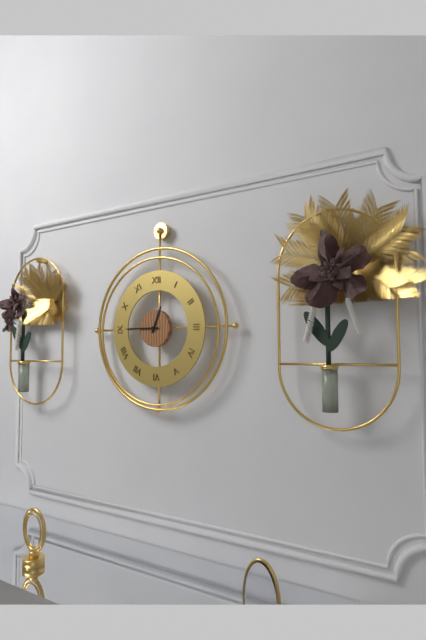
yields h=12 m=45
